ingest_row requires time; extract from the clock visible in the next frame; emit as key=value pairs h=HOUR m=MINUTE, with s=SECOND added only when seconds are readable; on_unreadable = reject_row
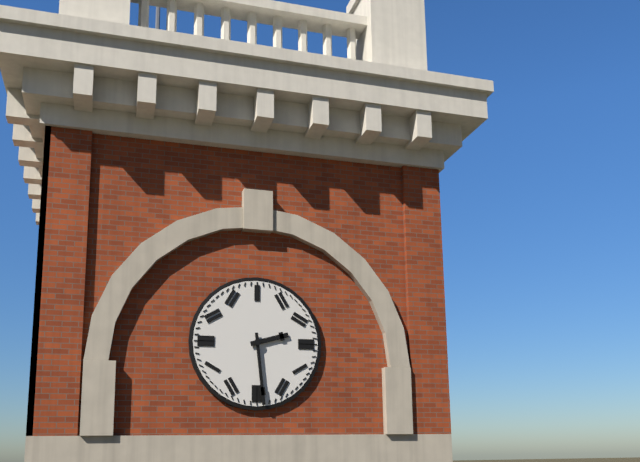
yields h=2 m=29
